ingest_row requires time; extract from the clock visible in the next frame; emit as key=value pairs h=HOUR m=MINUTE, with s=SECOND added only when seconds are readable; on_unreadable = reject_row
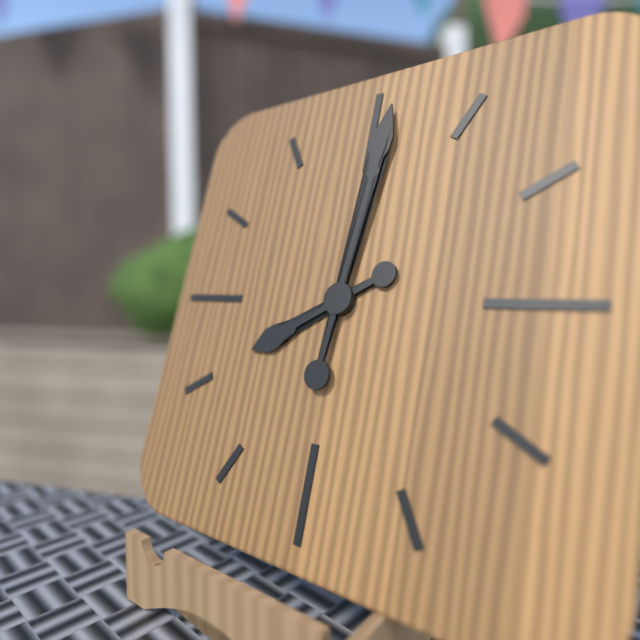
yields h=8 m=1
